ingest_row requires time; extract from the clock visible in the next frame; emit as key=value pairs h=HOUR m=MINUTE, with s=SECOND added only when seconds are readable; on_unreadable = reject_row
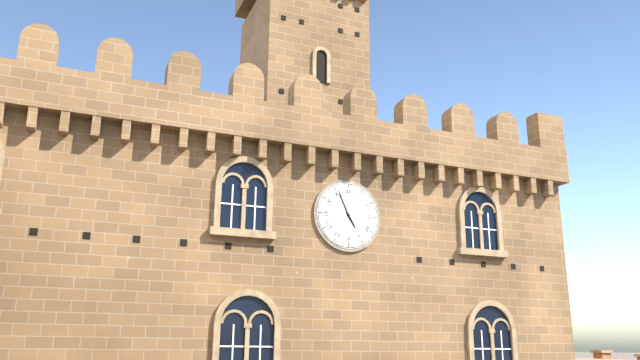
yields h=4 m=56
